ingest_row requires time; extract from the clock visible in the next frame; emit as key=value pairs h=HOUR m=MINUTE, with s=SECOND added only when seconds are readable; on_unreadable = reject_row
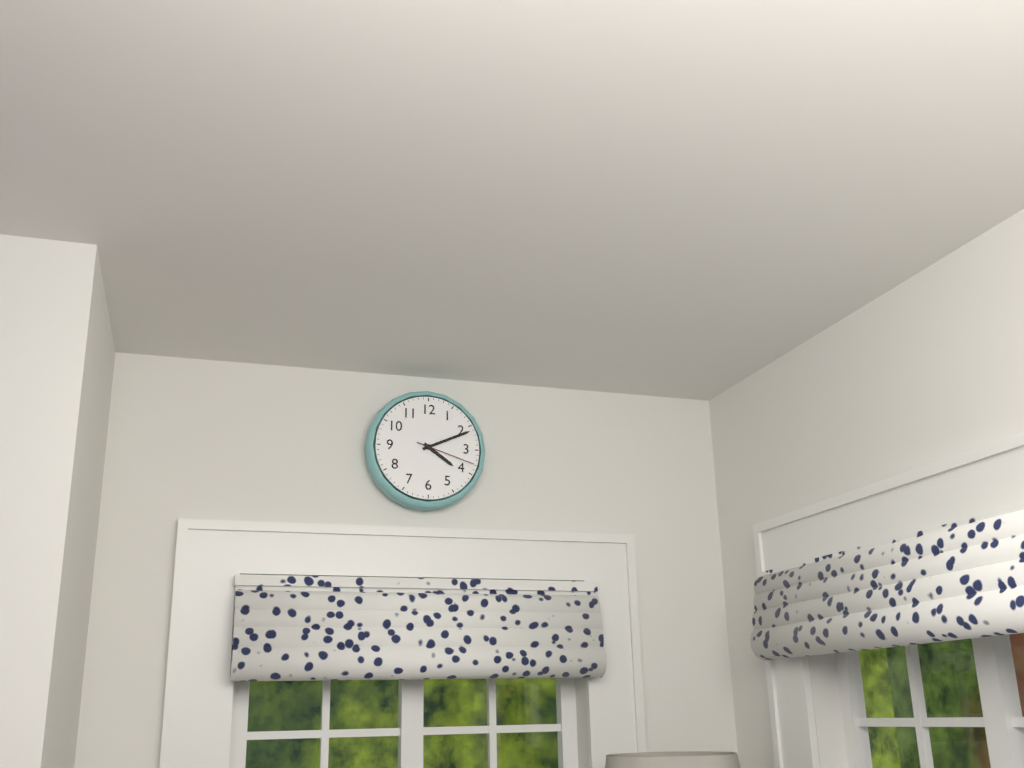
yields h=4 m=11 s=18
